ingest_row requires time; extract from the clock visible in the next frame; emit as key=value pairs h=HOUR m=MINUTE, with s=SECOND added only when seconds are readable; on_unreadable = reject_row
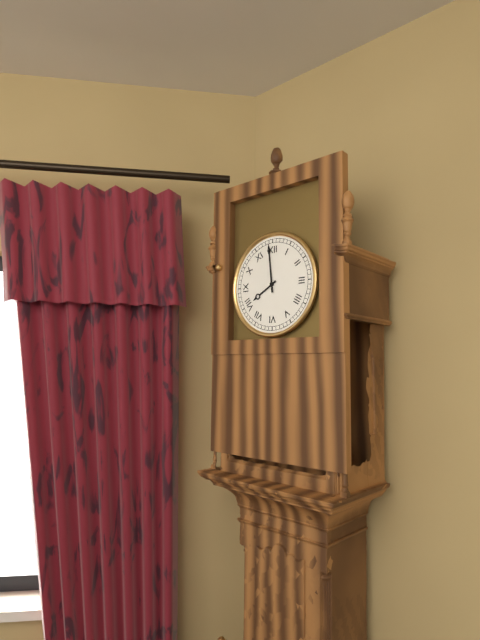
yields h=7 m=59
